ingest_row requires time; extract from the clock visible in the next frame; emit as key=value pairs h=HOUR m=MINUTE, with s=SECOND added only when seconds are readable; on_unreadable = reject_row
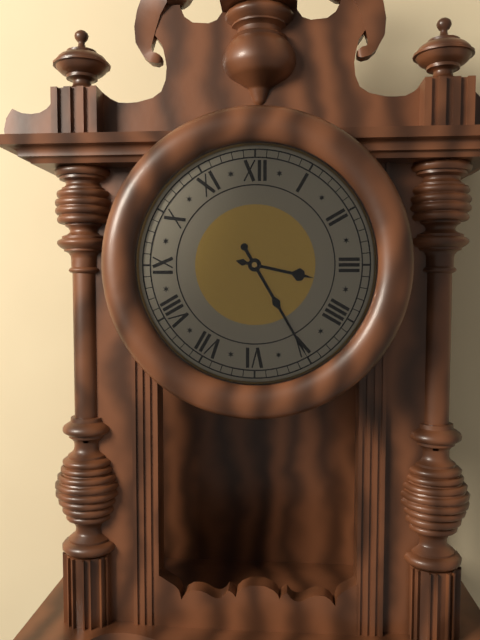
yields h=3 m=25
